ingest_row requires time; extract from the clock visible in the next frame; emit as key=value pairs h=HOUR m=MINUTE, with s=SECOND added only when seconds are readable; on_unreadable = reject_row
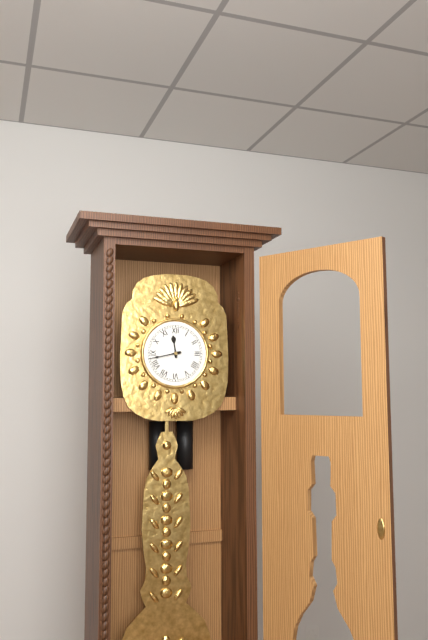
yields h=11 m=43
